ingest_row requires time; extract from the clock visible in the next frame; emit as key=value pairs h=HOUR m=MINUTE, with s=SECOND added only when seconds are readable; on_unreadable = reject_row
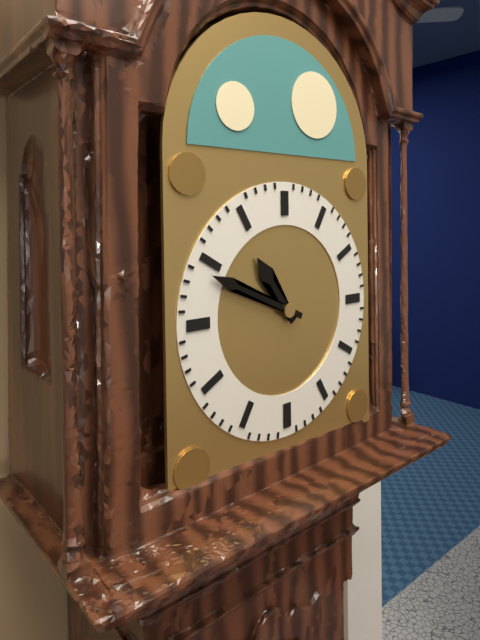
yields h=10 m=49
